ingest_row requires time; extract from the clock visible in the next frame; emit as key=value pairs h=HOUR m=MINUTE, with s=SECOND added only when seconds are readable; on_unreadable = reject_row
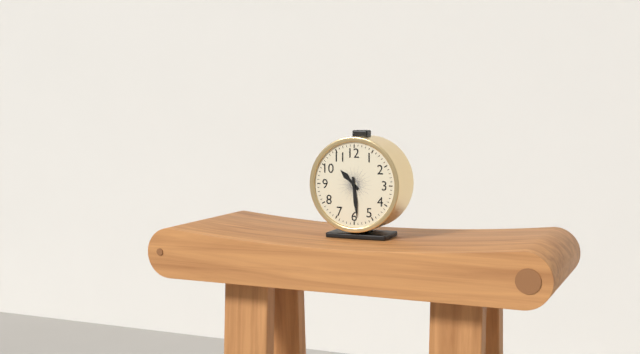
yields h=10 m=29
